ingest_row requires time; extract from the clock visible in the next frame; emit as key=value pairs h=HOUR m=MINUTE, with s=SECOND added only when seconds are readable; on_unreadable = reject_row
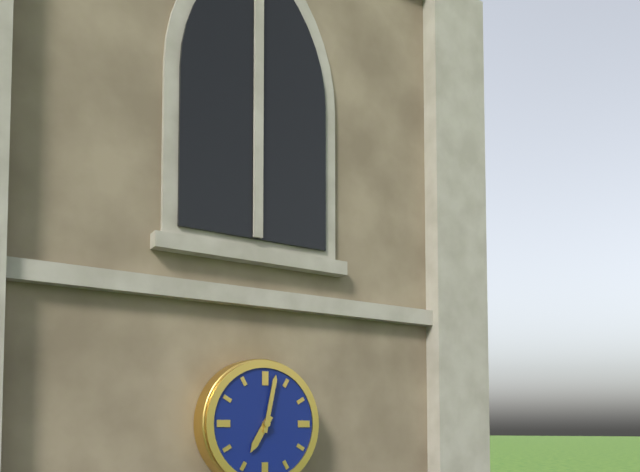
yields h=7 m=2
